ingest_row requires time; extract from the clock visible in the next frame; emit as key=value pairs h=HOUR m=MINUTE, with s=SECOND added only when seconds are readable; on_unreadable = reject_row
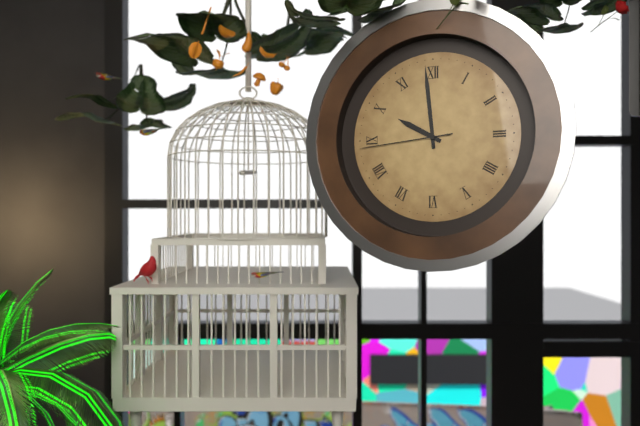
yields h=9 m=59 s=44
